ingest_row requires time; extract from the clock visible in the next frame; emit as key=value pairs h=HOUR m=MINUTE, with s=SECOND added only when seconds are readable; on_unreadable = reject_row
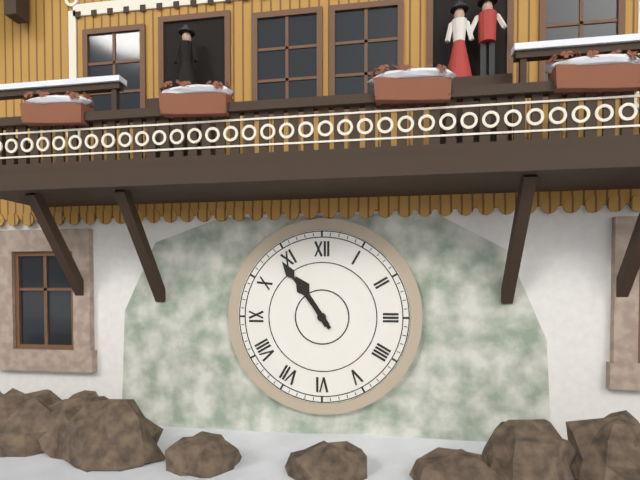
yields h=10 m=54
